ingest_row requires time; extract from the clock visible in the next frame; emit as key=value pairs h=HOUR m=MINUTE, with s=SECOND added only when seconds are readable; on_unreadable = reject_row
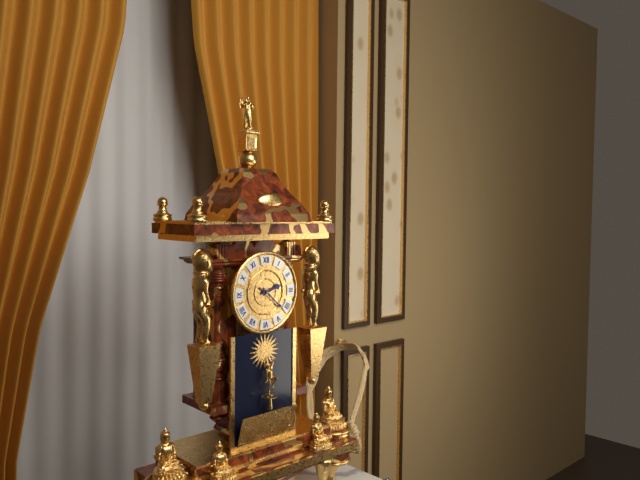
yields h=2 m=22
